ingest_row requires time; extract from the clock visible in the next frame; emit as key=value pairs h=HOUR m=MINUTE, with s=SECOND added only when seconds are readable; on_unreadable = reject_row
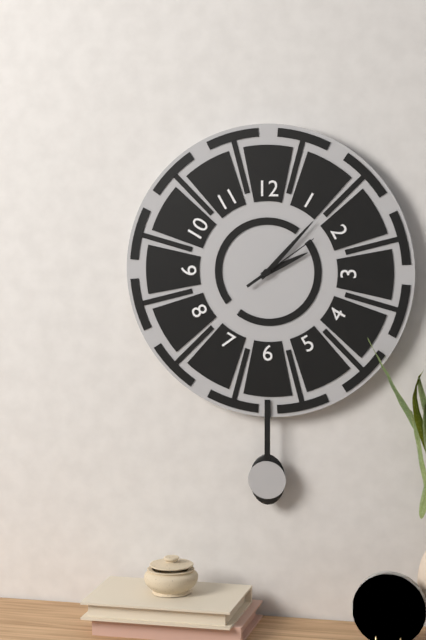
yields h=2 m=7 s=9
